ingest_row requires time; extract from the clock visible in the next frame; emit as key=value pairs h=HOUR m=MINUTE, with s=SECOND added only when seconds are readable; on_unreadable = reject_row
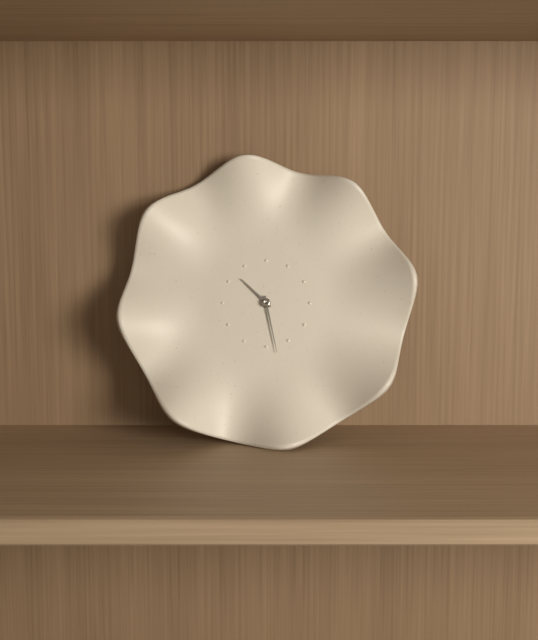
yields h=10 m=28
